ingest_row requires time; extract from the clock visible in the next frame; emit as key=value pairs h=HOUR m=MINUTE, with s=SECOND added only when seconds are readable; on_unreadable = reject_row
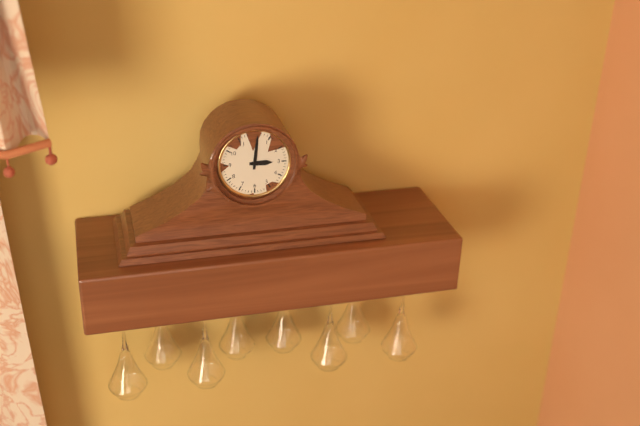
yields h=3 m=1
